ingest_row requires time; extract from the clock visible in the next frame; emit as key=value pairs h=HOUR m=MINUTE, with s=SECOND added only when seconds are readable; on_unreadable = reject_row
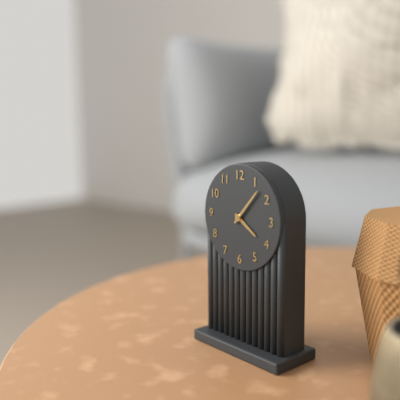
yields h=4 m=7
